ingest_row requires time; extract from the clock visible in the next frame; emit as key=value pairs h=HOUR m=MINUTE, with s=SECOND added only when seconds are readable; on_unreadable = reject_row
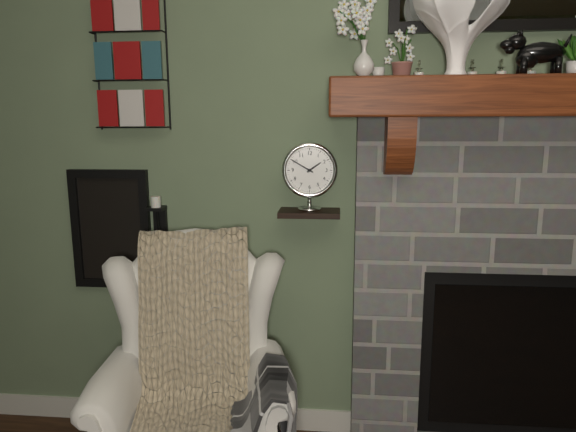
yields h=1 m=50
